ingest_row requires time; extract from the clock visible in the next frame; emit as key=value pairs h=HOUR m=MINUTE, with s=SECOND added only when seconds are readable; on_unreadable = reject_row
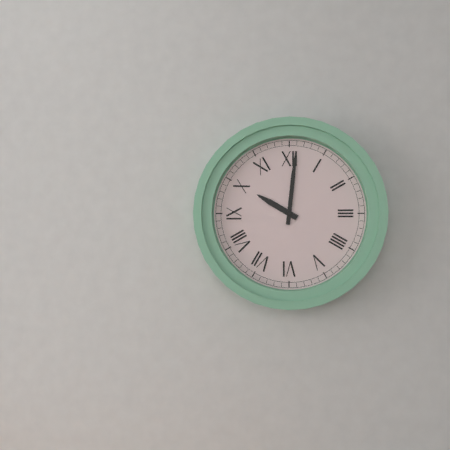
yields h=10 m=1
